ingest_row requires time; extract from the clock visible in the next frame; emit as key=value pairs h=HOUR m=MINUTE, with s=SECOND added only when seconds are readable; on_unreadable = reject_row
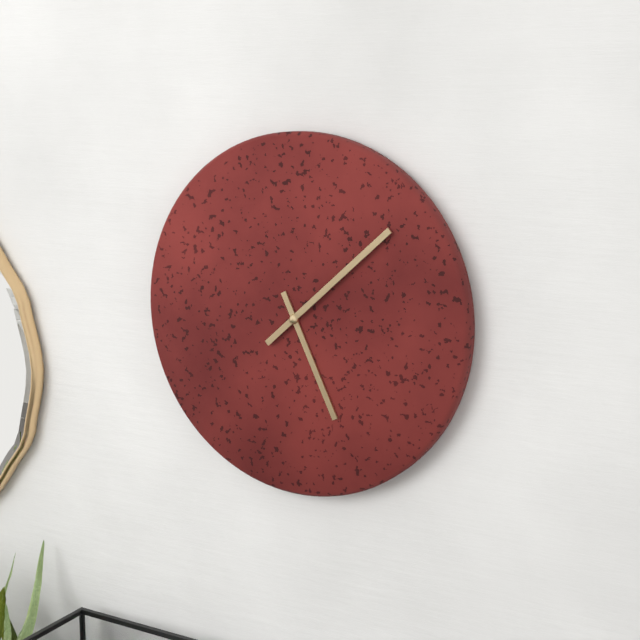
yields h=5 m=8
